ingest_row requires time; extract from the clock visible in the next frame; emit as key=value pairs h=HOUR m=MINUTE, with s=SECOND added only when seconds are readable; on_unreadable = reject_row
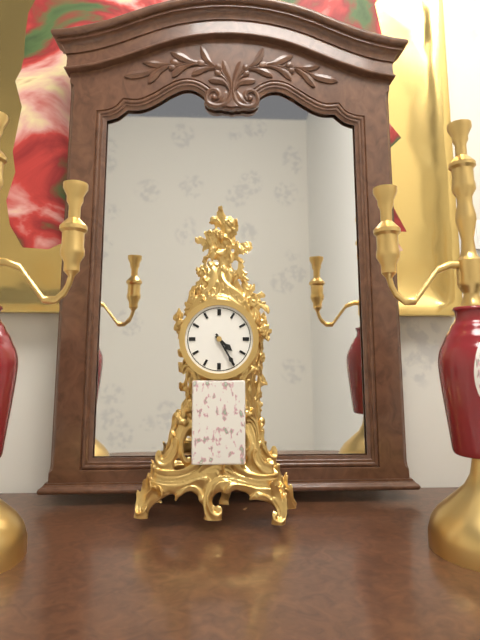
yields h=4 m=25
